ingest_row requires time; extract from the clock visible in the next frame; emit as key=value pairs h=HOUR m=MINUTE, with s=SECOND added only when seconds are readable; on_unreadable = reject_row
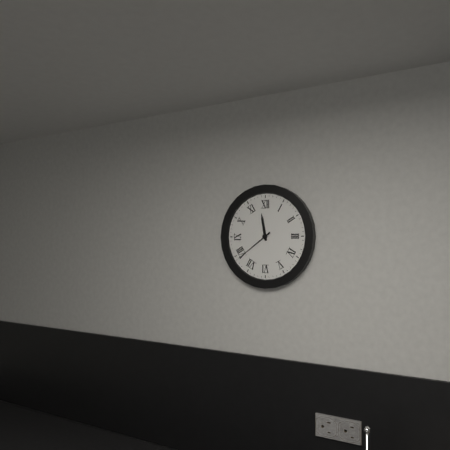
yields h=11 m=39
